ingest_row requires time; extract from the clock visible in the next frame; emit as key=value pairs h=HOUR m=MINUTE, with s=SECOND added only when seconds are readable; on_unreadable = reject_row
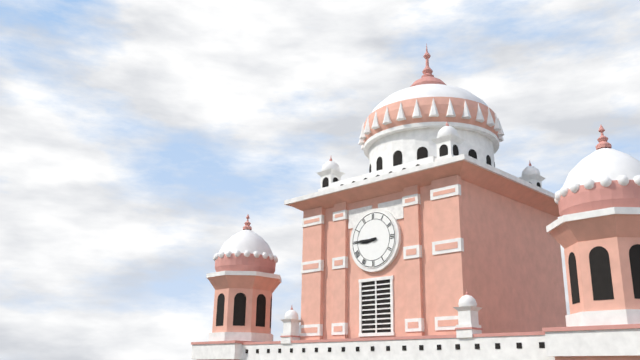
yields h=8 m=45
